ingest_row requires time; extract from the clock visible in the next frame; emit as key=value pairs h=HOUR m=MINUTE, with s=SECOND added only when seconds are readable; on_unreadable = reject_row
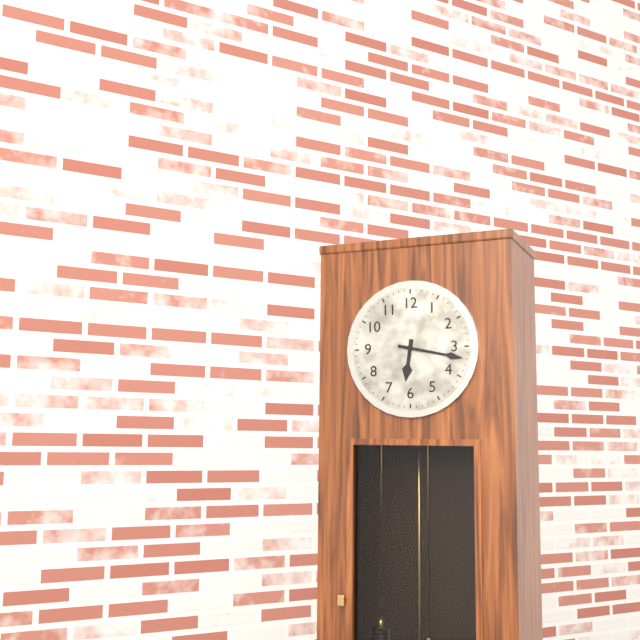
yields h=6 m=17
